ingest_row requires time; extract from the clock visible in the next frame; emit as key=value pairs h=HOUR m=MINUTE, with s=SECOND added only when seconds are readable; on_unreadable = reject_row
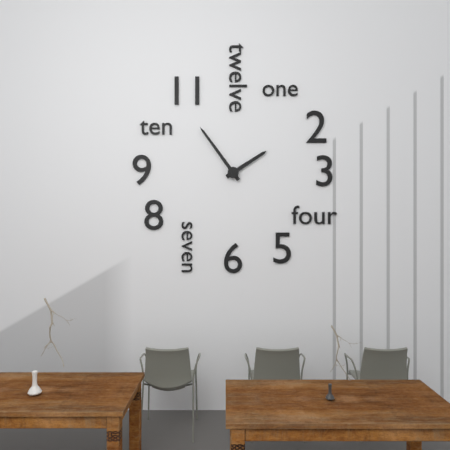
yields h=1 m=54
